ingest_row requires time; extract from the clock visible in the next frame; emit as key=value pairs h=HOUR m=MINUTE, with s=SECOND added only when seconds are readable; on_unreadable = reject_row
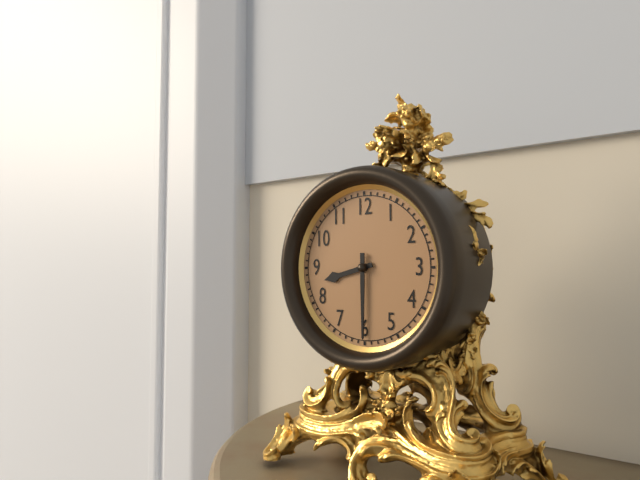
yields h=8 m=30
